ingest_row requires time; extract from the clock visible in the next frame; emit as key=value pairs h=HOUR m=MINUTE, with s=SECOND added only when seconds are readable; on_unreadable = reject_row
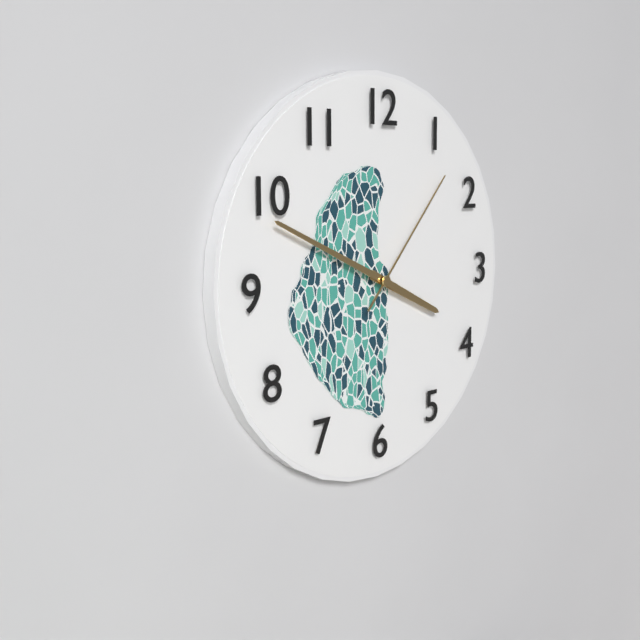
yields h=3 m=49 s=7
